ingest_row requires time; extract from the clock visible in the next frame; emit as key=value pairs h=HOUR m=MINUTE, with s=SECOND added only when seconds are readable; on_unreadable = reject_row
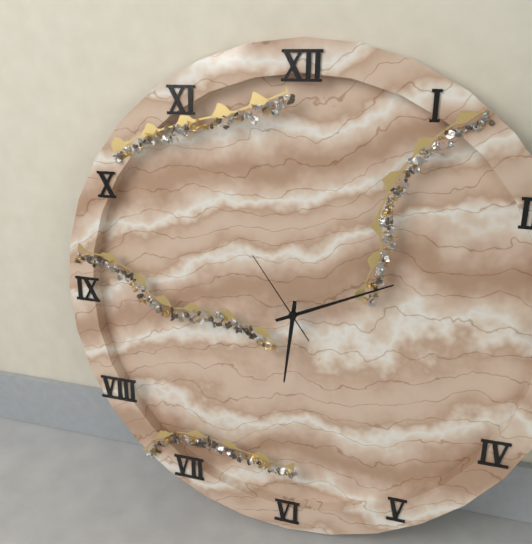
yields h=6 m=11 s=54
